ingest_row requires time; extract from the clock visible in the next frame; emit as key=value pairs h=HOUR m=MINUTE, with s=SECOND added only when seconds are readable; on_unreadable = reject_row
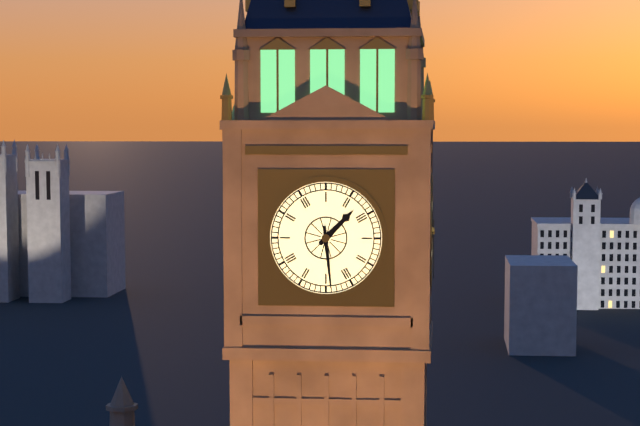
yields h=1 m=29
